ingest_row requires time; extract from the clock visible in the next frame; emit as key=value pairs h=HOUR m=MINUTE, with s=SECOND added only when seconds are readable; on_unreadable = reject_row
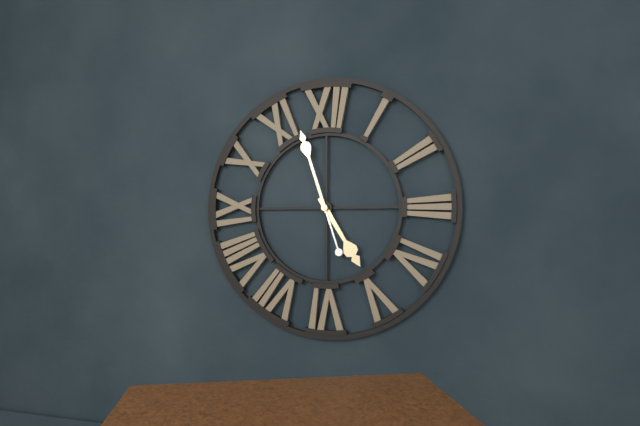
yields h=4 m=57
